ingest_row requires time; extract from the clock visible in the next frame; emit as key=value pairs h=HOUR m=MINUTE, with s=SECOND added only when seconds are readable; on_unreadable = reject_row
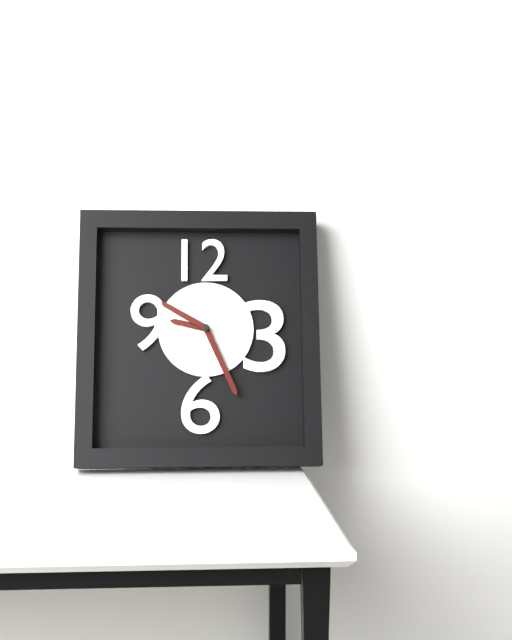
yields h=9 m=26 s=50
